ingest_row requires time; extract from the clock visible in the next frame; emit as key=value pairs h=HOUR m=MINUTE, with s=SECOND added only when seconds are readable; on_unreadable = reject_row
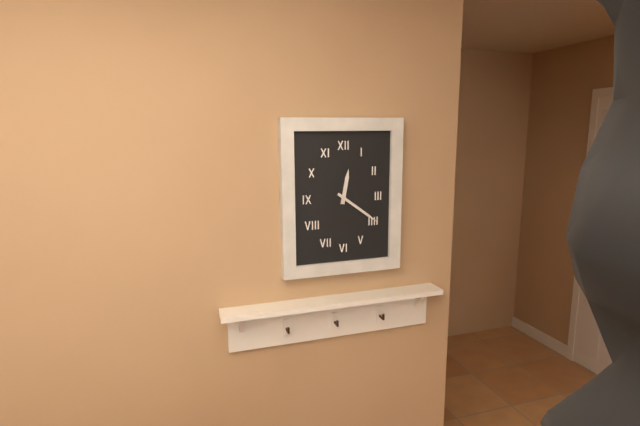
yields h=12 m=21
